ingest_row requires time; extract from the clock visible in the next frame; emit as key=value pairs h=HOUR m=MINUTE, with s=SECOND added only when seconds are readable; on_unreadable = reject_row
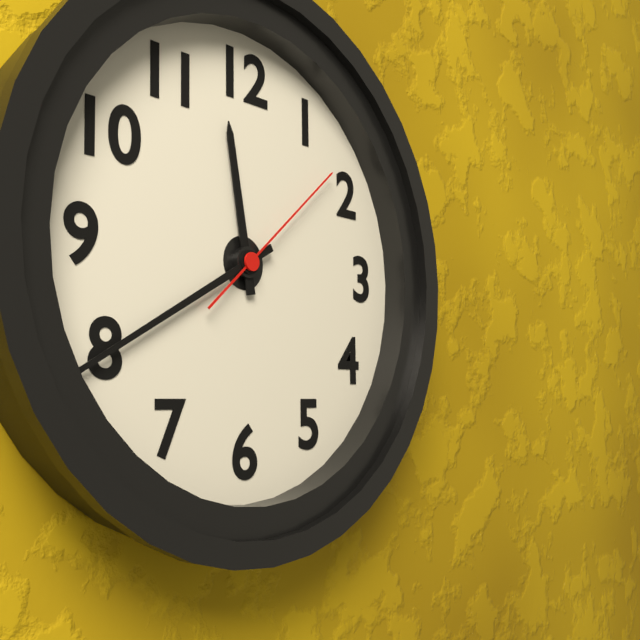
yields h=11 m=40 s=8
